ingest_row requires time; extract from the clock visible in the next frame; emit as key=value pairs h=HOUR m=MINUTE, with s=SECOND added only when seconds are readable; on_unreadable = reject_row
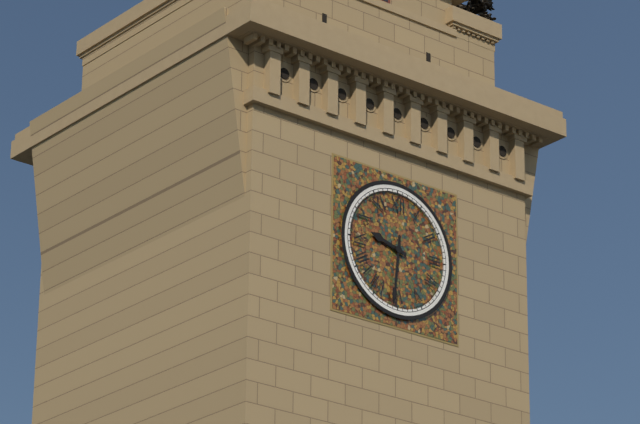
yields h=9 m=31
